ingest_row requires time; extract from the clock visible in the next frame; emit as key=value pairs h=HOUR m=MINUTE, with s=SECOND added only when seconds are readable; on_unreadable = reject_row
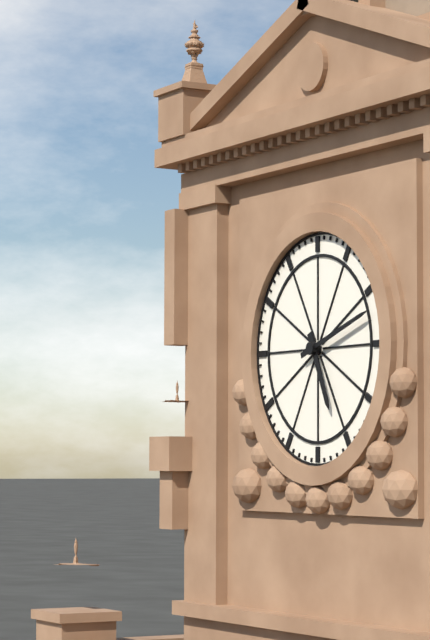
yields h=5 m=12
